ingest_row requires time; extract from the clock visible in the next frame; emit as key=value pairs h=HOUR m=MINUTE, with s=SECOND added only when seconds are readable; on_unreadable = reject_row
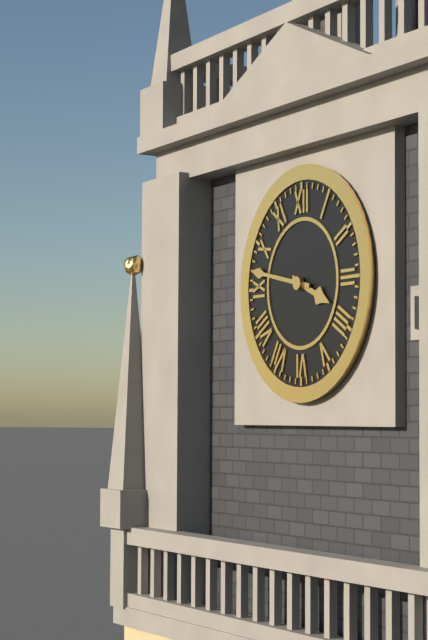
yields h=3 m=47
